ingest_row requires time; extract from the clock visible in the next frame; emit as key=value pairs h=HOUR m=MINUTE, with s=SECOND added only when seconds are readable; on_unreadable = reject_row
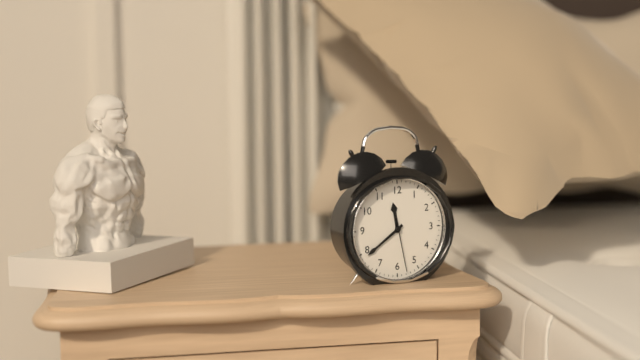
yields h=11 m=39 s=28
